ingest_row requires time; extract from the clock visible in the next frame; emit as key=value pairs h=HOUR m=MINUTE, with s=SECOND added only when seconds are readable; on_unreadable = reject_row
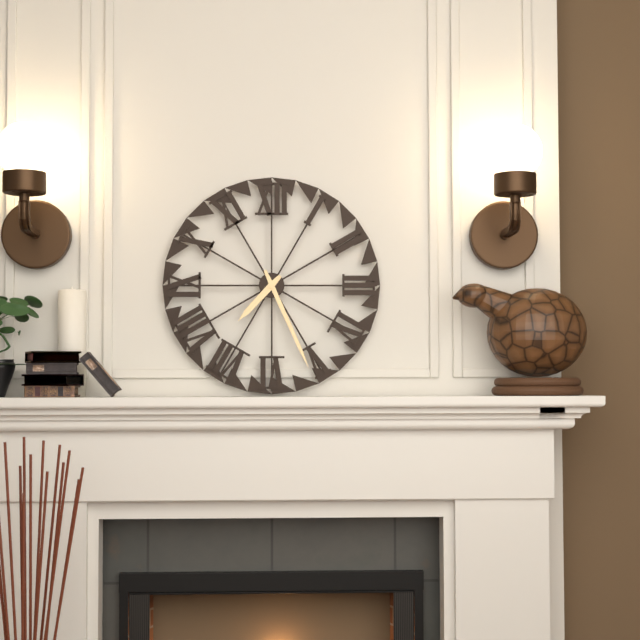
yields h=7 m=26
